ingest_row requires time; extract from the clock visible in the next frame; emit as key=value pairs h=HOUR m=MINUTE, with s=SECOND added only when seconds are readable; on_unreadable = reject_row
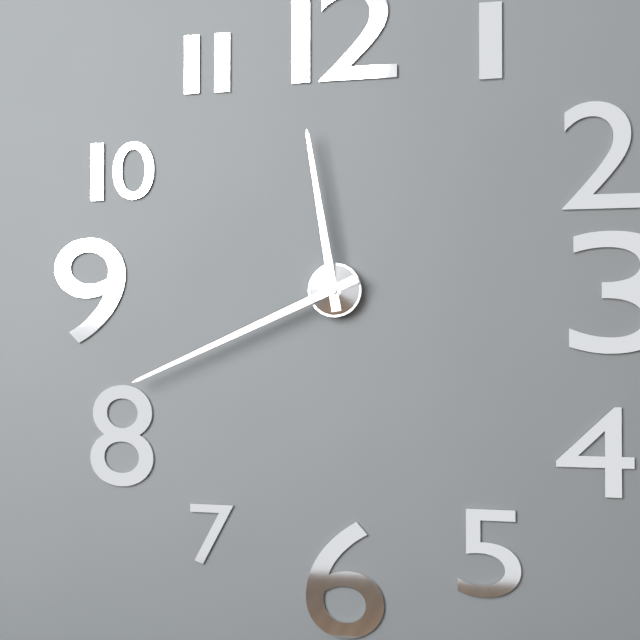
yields h=11 m=41
